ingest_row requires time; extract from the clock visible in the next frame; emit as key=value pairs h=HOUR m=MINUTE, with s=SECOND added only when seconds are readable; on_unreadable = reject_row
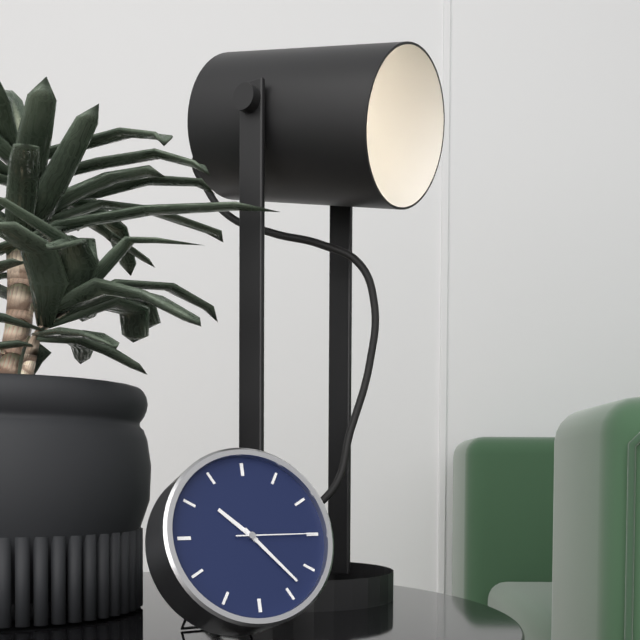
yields h=10 m=23 s=15
